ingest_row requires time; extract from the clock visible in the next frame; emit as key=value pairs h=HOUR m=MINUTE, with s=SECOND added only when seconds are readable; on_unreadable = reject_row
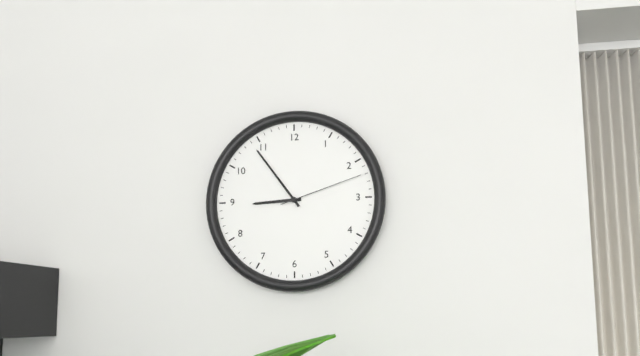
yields h=8 m=54 s=12
